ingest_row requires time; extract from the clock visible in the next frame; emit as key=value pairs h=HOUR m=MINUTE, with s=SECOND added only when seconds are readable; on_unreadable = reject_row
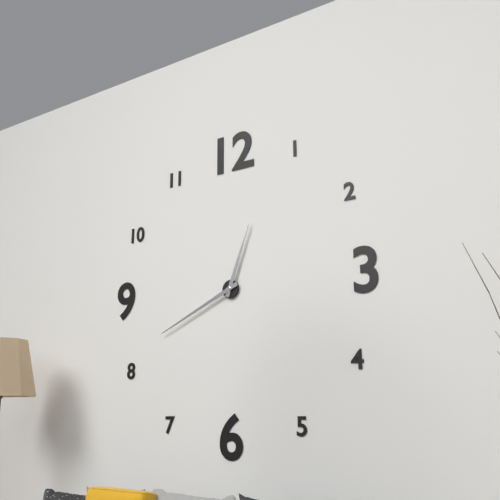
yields h=12 m=41
